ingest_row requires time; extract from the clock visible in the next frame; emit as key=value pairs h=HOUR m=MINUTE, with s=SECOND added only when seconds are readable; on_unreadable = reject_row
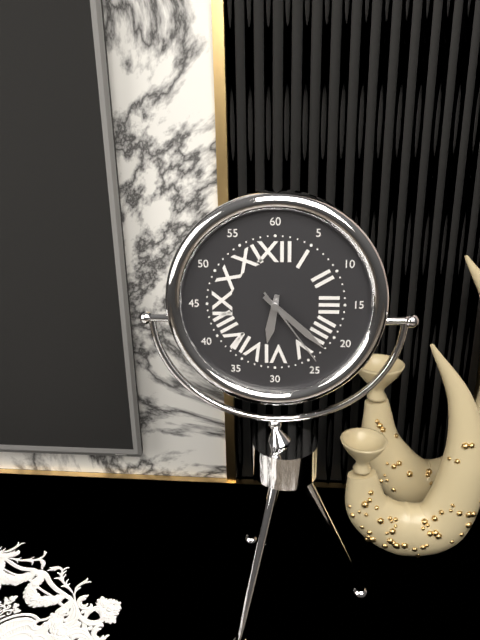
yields h=6 m=22 s=24
